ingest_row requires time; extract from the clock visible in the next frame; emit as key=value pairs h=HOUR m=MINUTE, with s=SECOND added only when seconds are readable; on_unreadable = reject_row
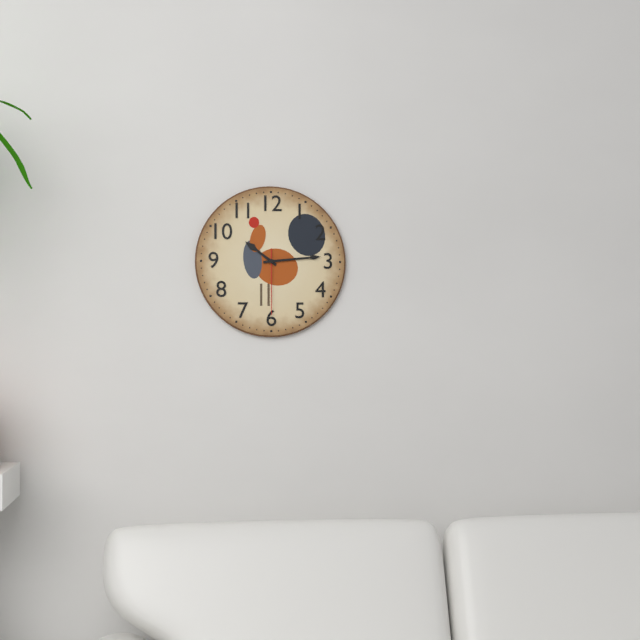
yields h=10 m=14 s=30
